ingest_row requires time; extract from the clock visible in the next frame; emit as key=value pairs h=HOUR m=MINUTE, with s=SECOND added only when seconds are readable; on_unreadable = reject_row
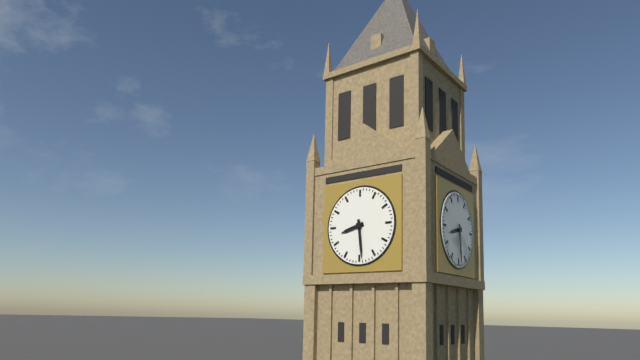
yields h=8 m=29
